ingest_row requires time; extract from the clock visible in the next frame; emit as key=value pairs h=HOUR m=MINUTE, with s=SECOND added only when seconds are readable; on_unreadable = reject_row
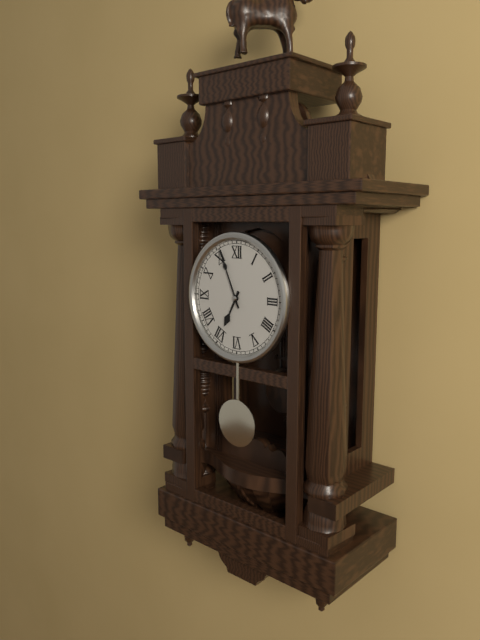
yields h=6 m=56
